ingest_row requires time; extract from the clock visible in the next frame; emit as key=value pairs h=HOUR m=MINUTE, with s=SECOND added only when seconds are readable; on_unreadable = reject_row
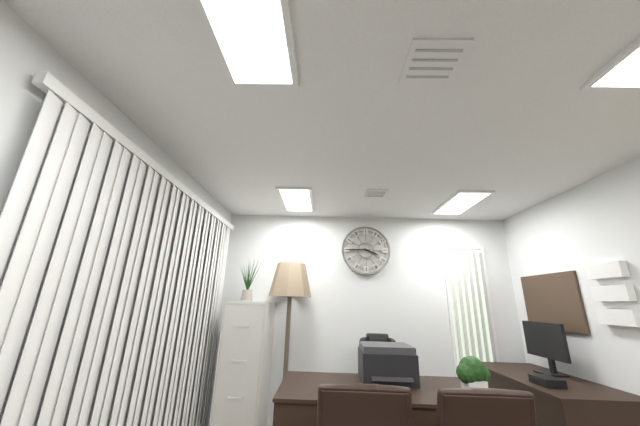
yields h=3 m=45
